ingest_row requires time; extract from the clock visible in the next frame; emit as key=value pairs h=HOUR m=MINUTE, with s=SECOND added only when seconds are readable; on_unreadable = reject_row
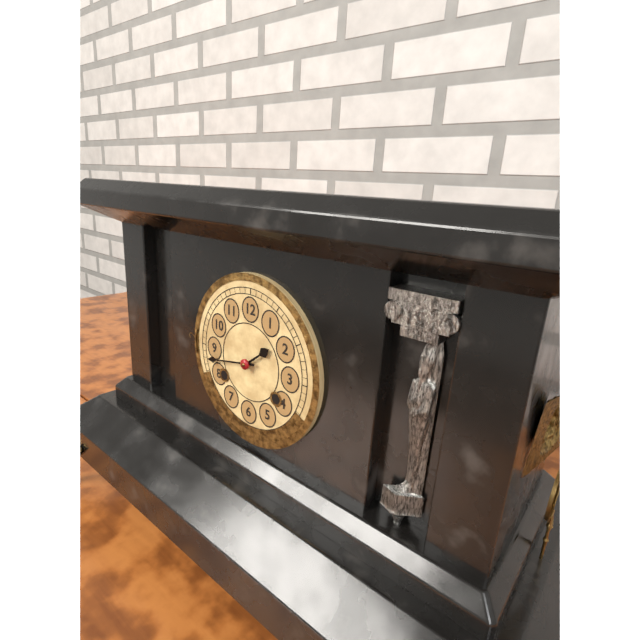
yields h=1 m=43
